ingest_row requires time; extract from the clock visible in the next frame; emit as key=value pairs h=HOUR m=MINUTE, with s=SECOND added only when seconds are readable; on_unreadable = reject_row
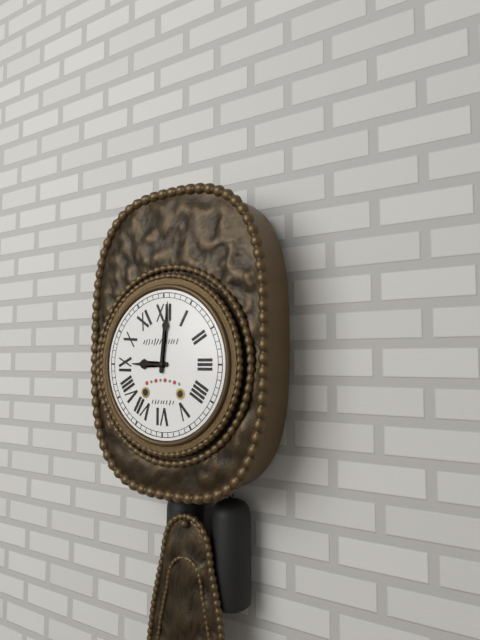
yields h=9 m=1
